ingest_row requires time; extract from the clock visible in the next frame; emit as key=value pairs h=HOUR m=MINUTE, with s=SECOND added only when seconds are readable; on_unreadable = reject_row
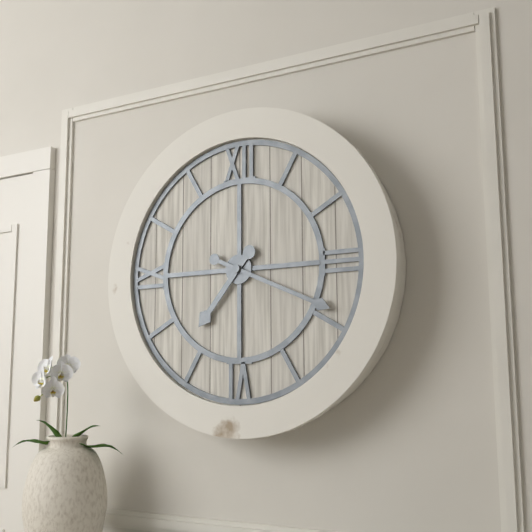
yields h=7 m=19
